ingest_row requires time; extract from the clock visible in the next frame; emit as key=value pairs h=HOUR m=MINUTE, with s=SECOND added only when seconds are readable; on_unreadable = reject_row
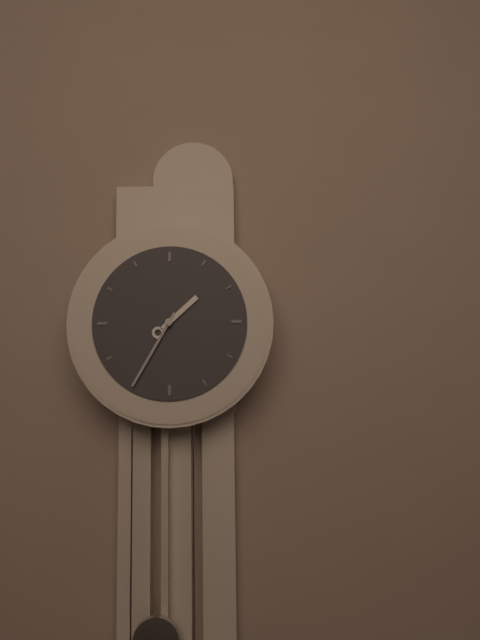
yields h=1 m=35
